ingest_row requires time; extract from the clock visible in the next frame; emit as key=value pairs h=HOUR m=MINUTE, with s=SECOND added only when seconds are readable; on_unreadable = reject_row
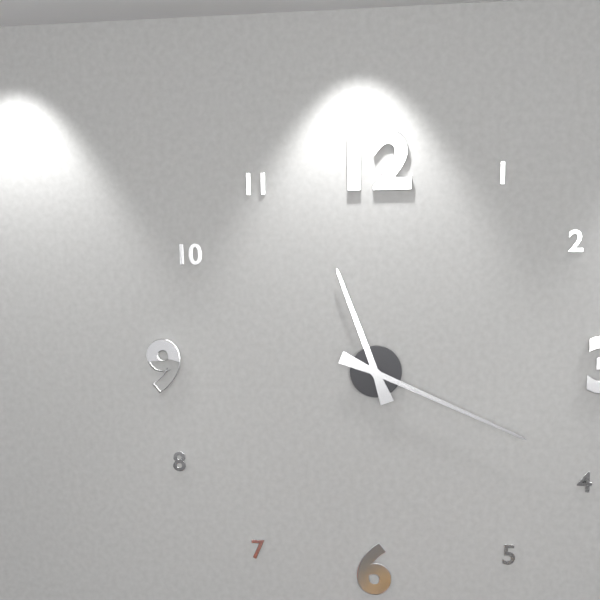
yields h=11 m=19
